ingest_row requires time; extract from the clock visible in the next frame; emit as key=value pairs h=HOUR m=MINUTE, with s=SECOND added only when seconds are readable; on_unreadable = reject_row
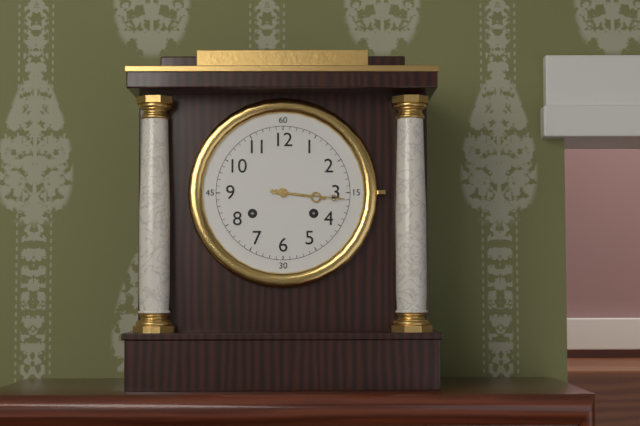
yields h=3 m=16
